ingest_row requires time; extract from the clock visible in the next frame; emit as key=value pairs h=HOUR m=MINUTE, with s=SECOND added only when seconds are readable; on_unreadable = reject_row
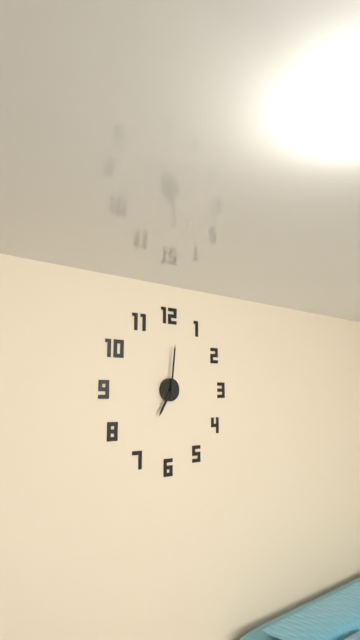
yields h=7 m=1
